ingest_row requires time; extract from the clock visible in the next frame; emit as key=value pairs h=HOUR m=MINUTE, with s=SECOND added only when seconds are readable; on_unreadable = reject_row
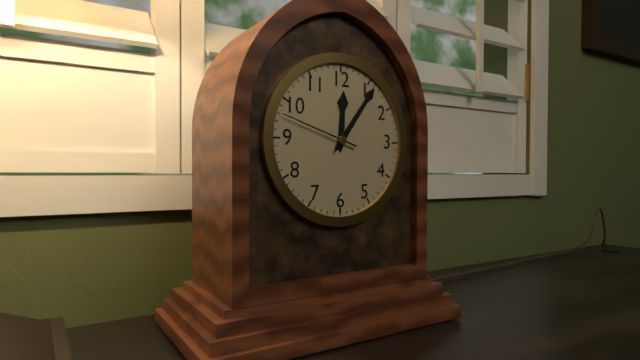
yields h=12 m=6 s=48
